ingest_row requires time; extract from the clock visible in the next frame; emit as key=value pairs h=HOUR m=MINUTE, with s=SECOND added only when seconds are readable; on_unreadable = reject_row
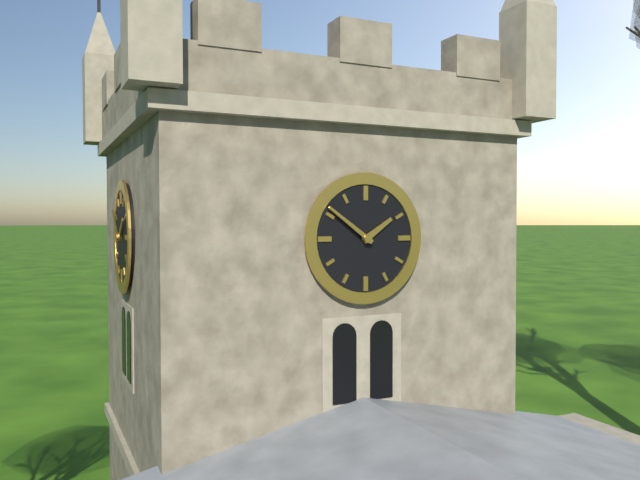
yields h=1 m=51
